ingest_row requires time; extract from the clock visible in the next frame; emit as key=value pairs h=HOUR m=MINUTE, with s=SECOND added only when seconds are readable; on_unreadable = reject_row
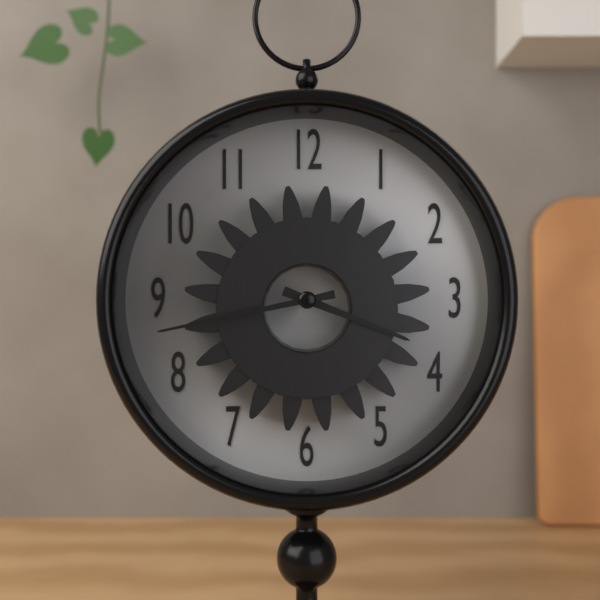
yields h=3 m=43
